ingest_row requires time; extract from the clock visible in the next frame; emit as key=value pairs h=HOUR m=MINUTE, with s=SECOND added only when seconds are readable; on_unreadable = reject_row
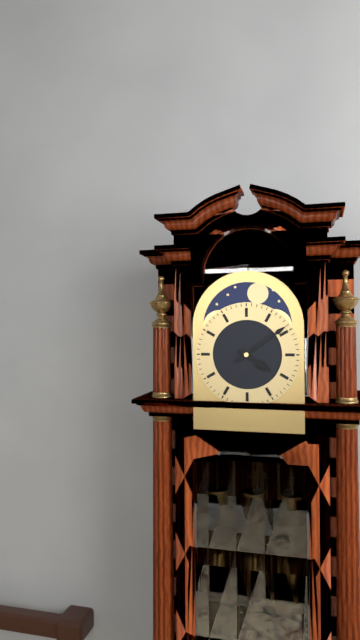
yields h=4 m=9
